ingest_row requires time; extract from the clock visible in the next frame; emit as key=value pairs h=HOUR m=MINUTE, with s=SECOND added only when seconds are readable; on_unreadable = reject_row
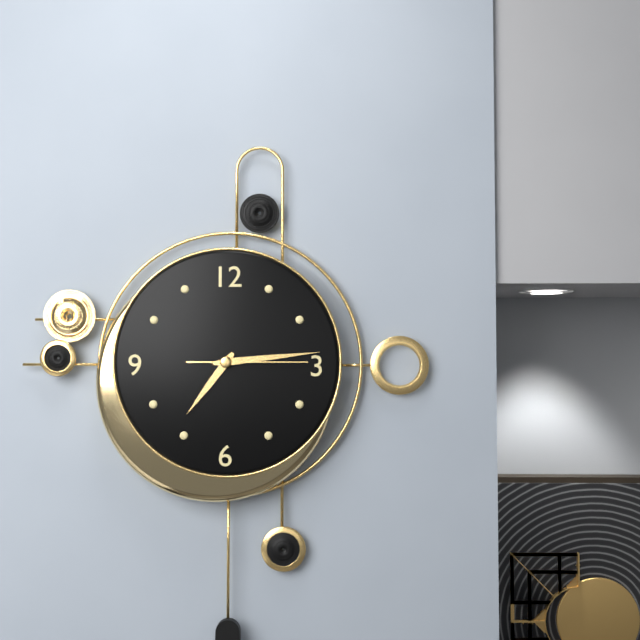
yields h=7 m=14 s=15
